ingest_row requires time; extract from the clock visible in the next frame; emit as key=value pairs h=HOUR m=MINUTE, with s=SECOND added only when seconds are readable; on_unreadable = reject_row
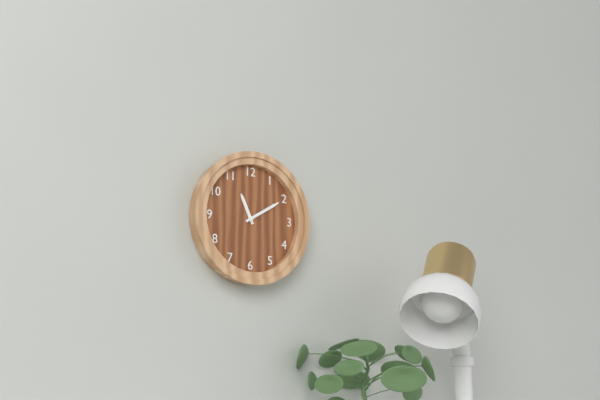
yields h=11 m=10
